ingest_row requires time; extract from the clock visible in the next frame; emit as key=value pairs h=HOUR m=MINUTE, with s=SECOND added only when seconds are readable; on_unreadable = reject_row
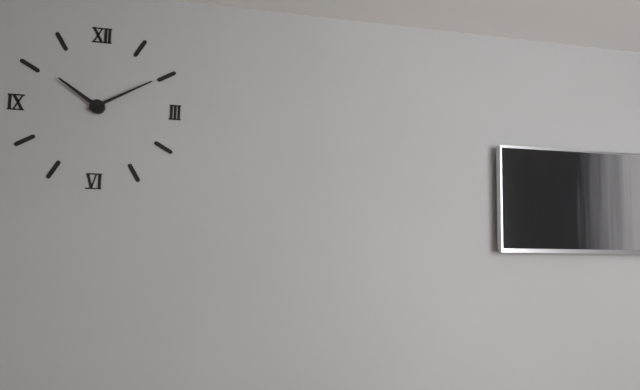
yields h=10 m=10
